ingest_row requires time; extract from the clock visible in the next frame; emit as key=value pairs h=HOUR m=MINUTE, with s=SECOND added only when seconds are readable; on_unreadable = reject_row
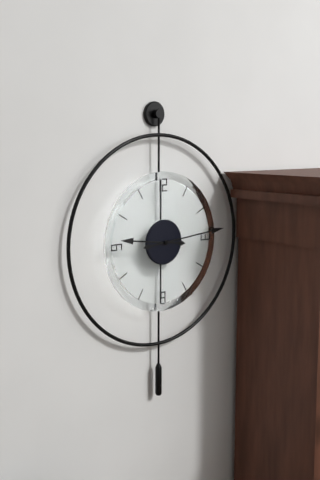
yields h=9 m=14
